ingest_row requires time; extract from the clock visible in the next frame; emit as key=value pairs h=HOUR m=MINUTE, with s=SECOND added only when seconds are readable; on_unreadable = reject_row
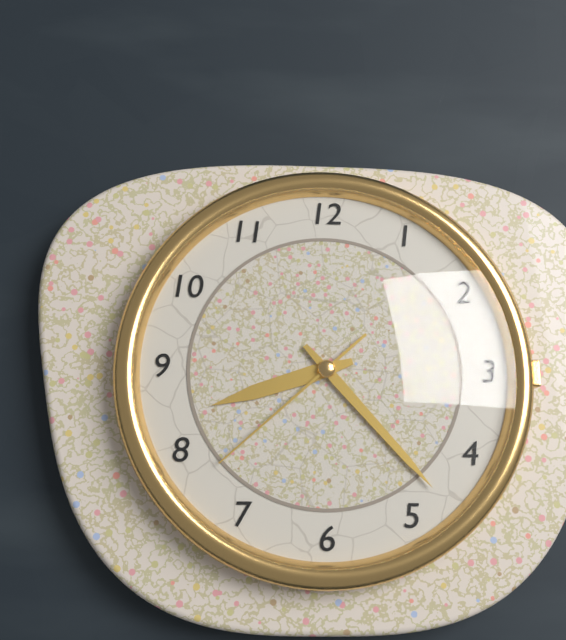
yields h=8 m=23 s=38
